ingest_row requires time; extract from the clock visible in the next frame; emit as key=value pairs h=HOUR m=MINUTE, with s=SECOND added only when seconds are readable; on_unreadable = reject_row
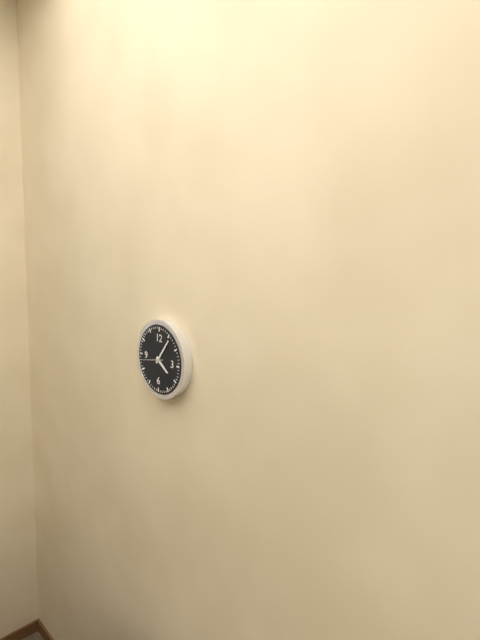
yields h=4 m=6
